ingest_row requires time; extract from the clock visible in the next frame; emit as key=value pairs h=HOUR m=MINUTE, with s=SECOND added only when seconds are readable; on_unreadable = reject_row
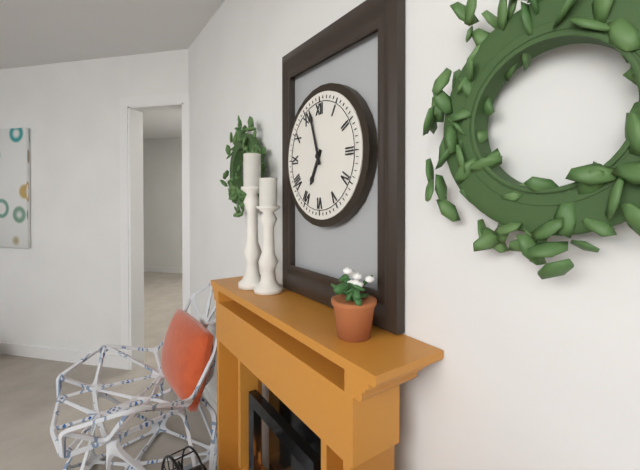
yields h=6 m=57
